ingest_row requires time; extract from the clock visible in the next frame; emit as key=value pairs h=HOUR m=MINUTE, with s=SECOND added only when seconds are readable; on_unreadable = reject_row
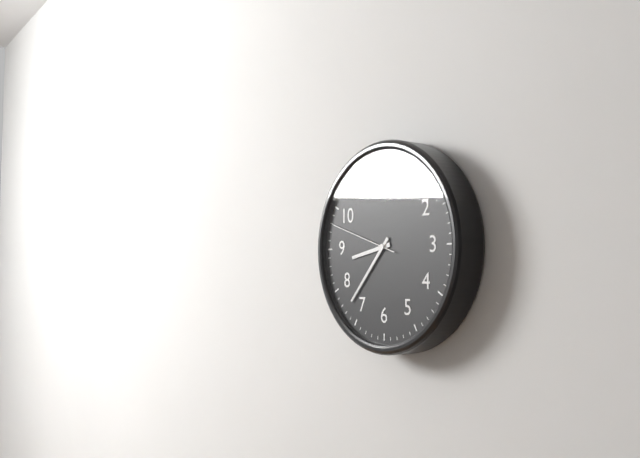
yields h=8 m=37 s=48
